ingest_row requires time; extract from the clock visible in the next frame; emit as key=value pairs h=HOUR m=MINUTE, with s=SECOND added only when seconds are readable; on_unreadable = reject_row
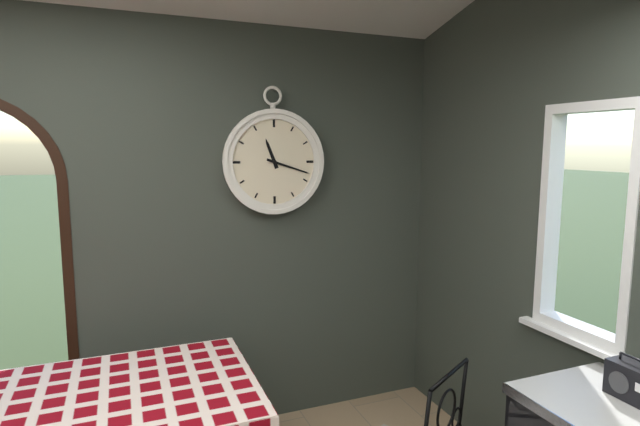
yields h=11 m=18
